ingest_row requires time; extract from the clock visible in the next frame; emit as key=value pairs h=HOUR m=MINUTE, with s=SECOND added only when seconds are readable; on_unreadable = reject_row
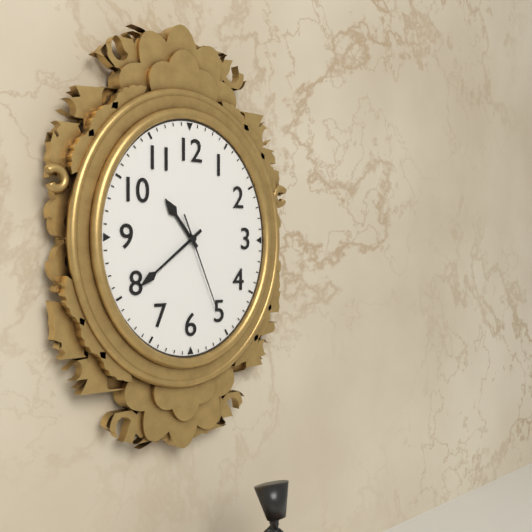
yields h=10 m=39 s=26
